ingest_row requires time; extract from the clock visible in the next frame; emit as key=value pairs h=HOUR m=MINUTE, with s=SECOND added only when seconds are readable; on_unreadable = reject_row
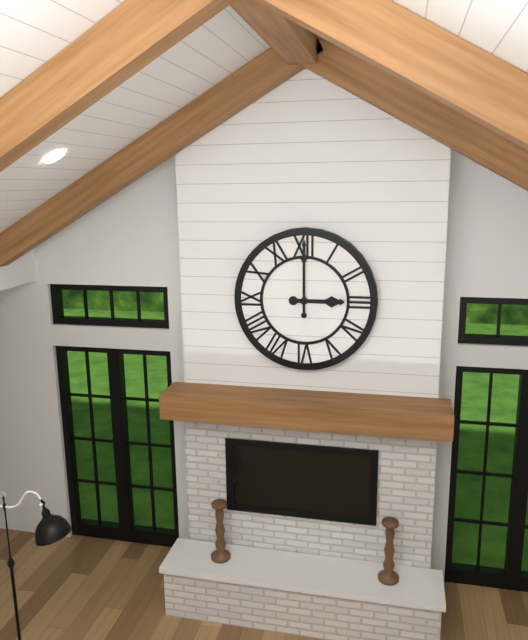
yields h=3 m=0
